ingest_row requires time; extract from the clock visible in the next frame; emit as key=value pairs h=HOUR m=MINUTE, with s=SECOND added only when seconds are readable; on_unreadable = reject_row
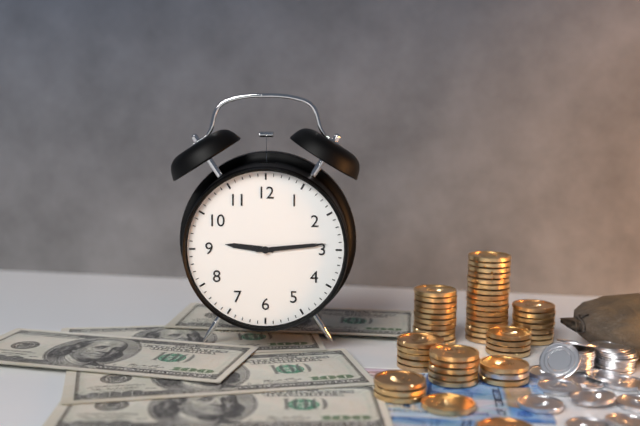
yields h=9 m=14
